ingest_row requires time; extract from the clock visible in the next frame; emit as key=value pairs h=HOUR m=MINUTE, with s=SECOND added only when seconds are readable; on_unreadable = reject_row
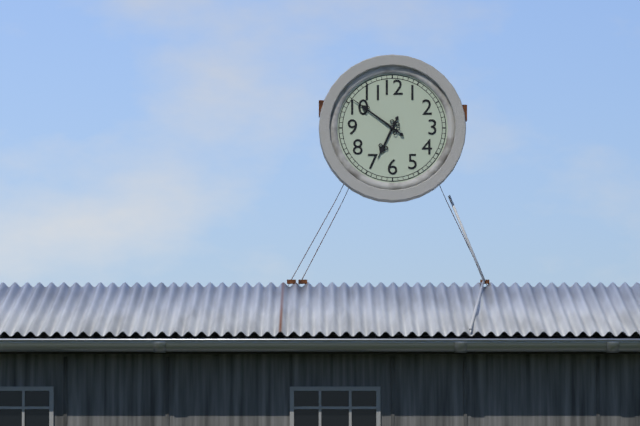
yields h=6 m=51
